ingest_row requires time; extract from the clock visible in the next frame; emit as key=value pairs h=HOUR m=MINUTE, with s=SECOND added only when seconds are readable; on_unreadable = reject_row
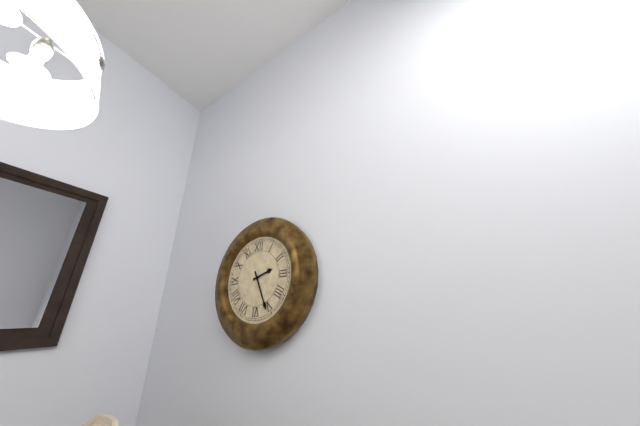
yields h=2 m=26
